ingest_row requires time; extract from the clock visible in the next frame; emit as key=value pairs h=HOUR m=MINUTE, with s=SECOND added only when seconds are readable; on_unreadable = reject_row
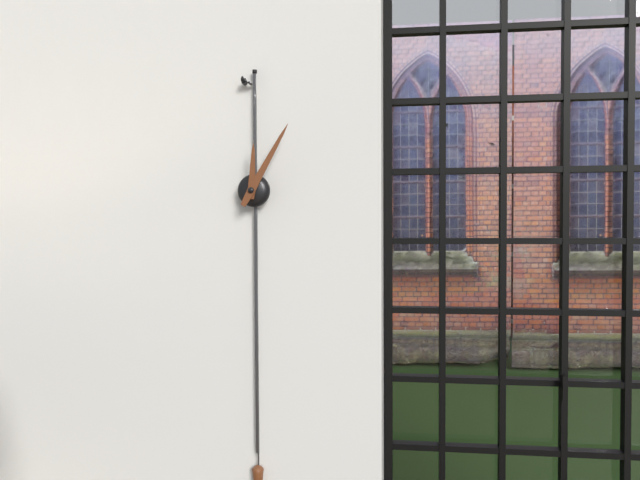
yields h=12 m=5
